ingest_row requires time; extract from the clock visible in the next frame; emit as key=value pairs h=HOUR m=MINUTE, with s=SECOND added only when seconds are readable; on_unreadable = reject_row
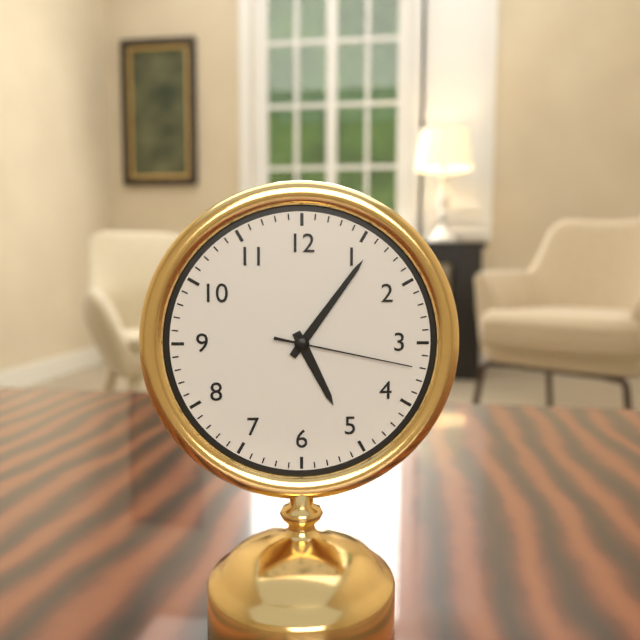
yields h=5 m=6 s=17
